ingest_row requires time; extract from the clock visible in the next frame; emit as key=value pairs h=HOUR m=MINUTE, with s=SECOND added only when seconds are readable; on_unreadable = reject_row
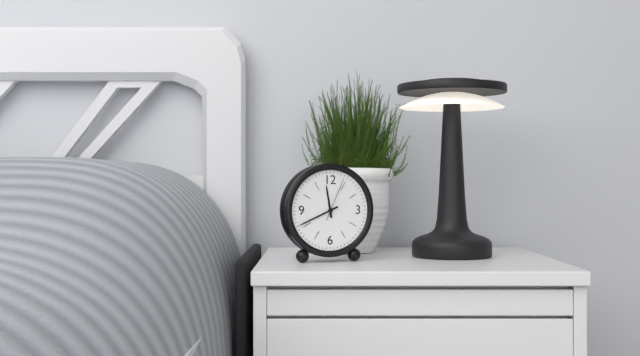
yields h=11 m=41
